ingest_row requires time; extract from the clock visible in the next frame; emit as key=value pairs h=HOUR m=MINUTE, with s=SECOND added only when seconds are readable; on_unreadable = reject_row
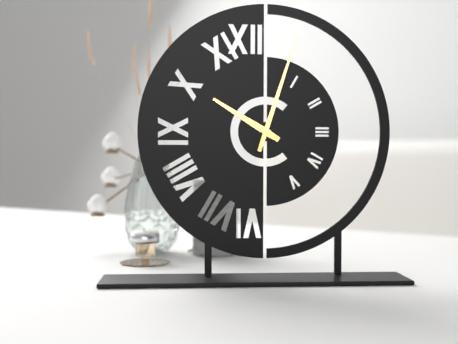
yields h=10 m=3
